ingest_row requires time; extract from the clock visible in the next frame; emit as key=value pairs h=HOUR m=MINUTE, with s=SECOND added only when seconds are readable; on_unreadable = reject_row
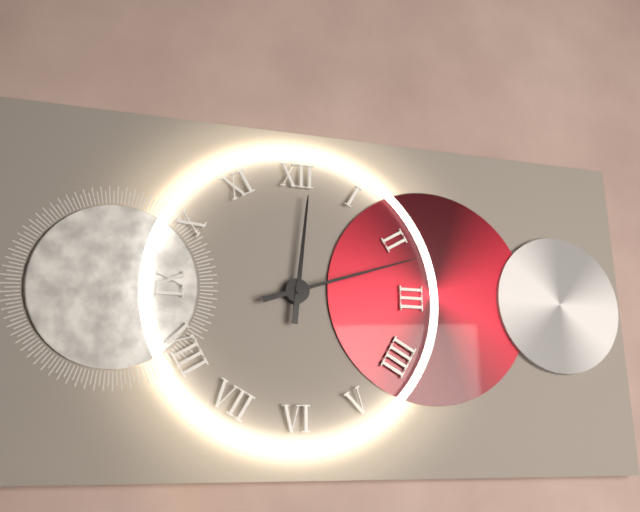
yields h=12 m=12
